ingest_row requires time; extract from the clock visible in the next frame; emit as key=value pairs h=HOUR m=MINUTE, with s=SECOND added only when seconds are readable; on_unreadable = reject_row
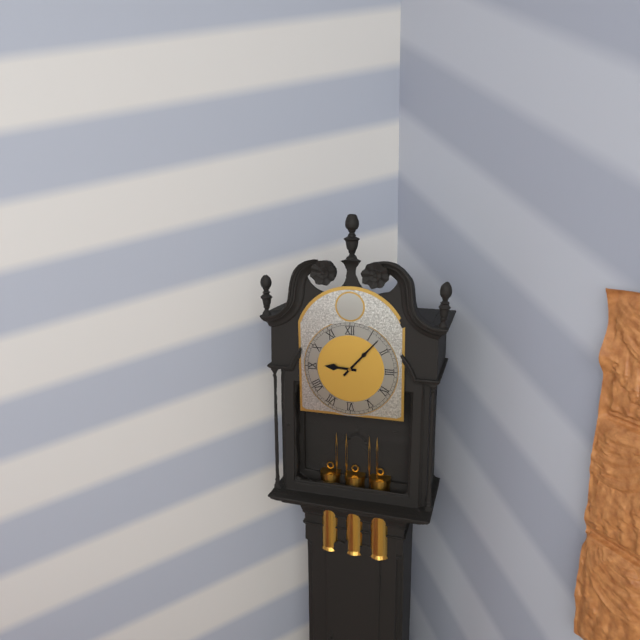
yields h=9 m=7
